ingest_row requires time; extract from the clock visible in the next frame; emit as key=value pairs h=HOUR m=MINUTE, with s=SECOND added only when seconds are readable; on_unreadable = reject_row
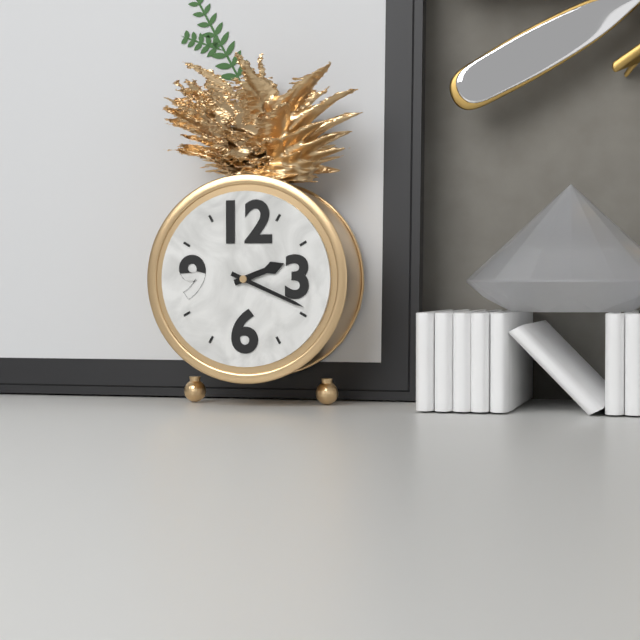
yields h=2 m=19
